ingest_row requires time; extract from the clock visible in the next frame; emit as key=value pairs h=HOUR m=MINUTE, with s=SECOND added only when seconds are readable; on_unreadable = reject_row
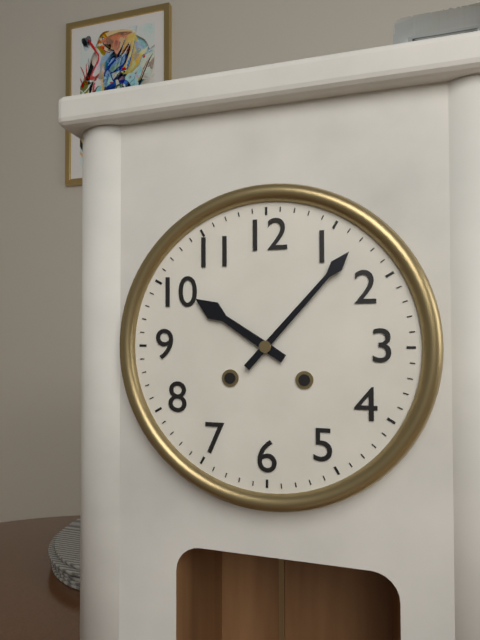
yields h=10 m=7
